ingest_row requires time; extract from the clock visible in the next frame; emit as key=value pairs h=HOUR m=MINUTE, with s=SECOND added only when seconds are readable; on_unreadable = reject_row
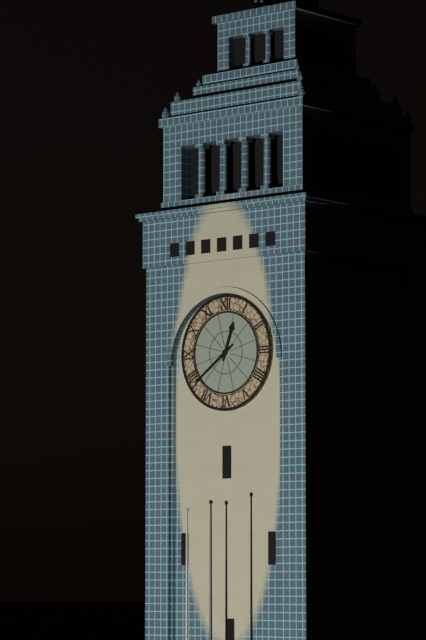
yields h=12 m=39
